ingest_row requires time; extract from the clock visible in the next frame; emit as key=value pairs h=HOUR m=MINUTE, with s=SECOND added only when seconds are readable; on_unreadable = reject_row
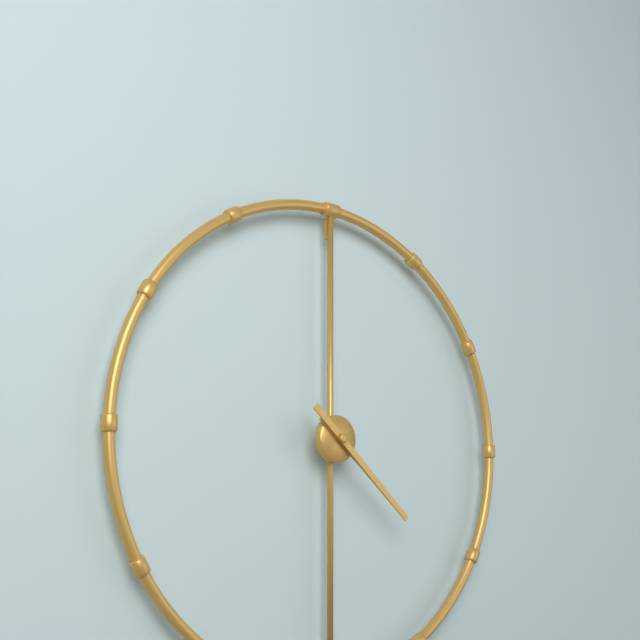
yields h=4 m=22
